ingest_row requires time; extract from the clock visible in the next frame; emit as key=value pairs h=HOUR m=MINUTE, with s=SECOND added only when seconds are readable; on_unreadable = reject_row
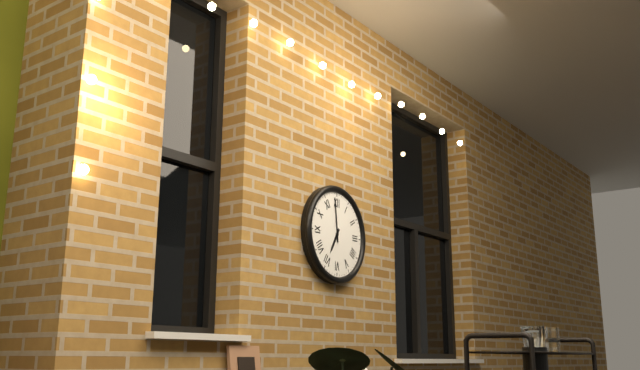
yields h=6 m=59
